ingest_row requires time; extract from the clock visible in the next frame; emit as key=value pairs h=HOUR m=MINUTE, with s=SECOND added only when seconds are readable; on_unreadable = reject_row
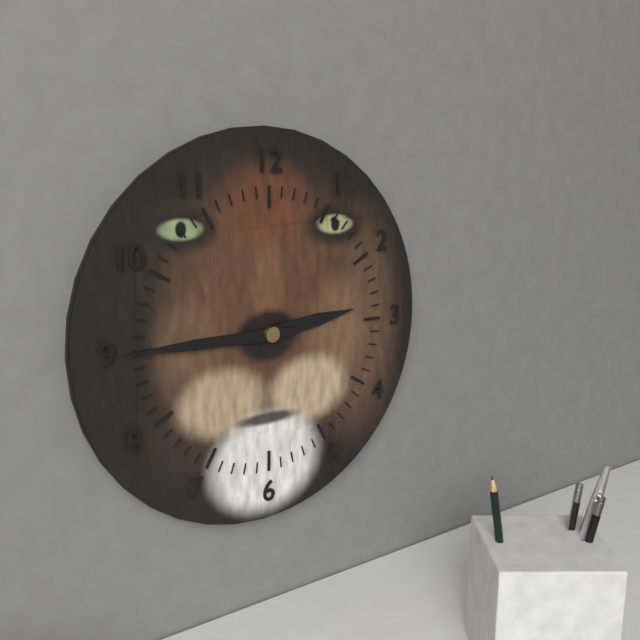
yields h=2 m=45
